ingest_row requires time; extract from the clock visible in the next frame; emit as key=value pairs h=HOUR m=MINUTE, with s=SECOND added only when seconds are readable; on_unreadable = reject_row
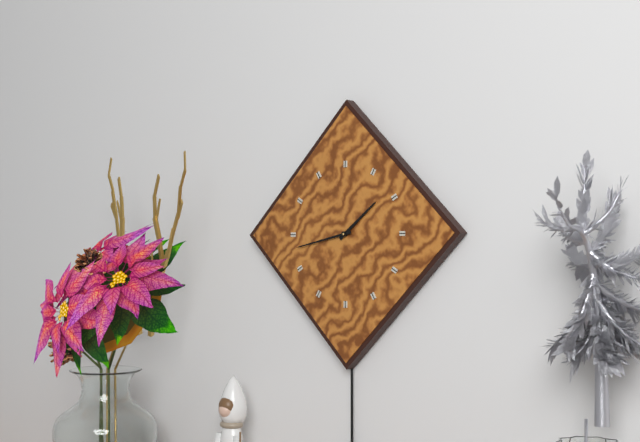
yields h=1 m=43
